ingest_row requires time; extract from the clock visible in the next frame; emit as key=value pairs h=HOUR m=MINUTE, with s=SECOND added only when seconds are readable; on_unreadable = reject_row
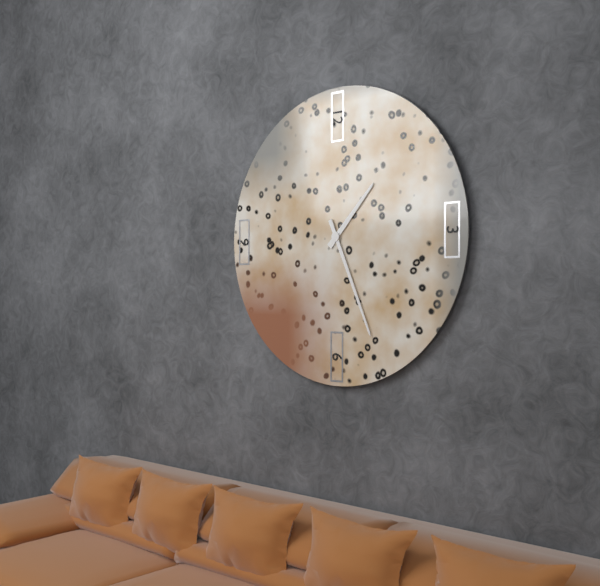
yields h=1 m=26
